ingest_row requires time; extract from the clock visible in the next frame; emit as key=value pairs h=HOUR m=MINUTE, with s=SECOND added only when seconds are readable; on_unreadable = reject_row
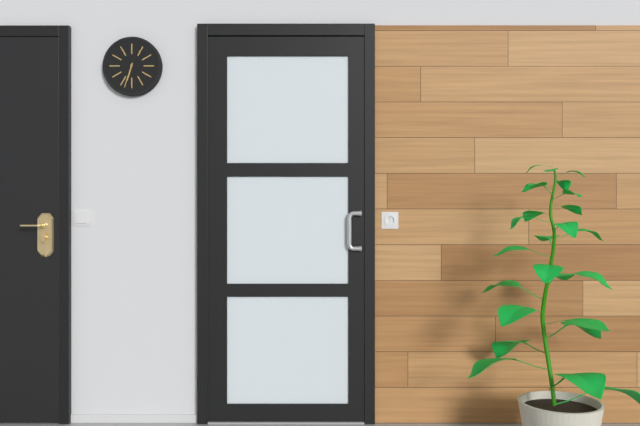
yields h=6 m=33
